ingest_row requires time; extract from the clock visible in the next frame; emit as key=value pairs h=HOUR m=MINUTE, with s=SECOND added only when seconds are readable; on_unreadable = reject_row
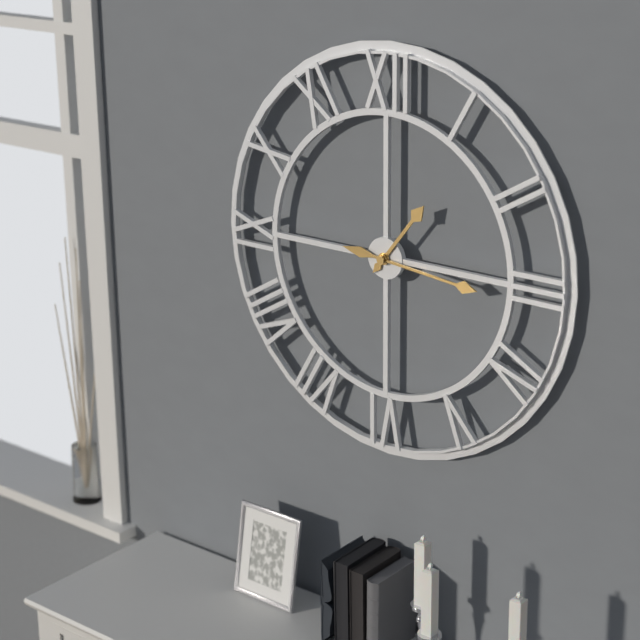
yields h=1 m=16
